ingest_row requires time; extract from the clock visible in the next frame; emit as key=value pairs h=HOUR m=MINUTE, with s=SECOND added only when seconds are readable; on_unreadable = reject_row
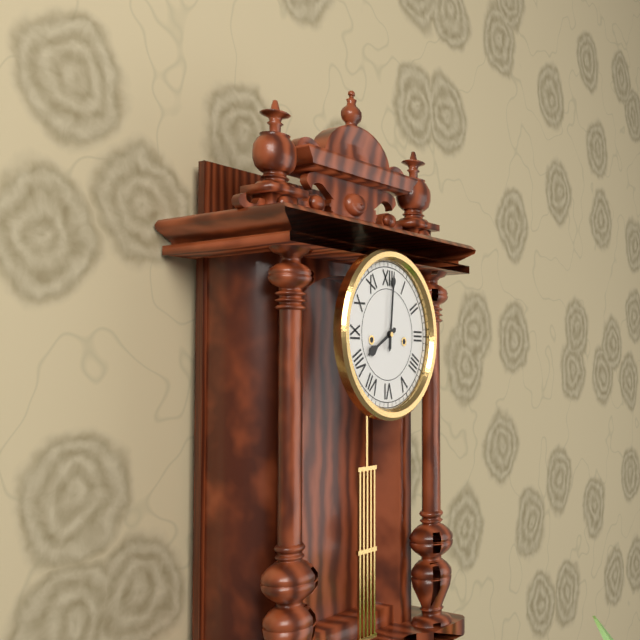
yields h=8 m=1
